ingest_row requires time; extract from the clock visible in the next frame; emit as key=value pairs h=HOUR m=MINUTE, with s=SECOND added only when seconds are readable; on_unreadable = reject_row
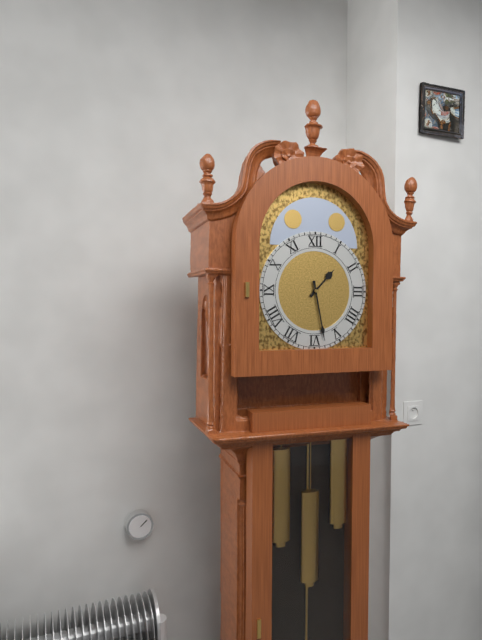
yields h=1 m=28
